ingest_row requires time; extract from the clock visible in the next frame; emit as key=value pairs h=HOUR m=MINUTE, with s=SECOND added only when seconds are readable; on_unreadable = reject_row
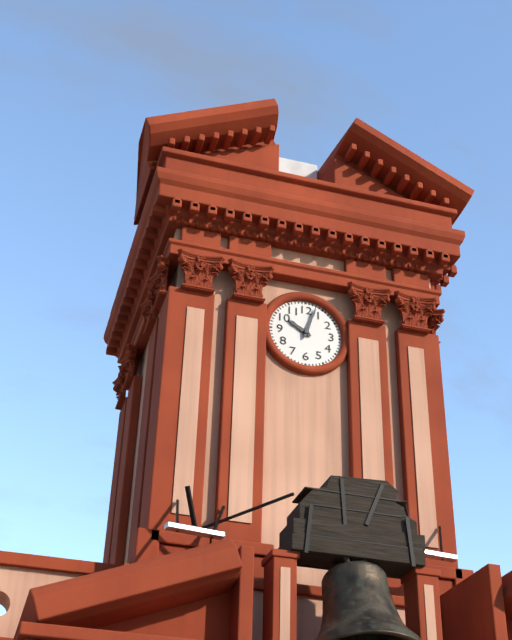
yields h=10 m=3
